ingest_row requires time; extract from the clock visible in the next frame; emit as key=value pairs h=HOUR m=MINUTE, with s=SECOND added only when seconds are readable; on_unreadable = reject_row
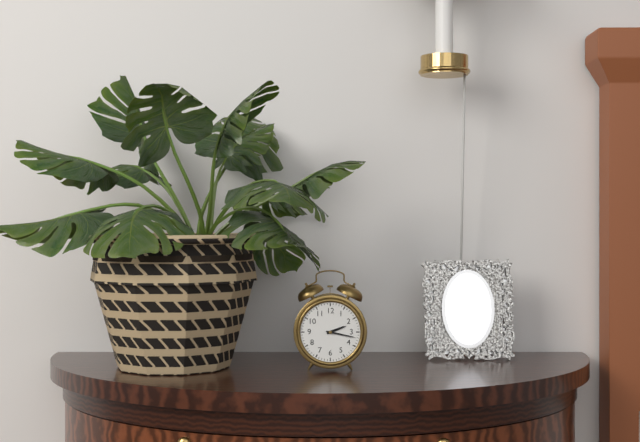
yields h=2 m=17
